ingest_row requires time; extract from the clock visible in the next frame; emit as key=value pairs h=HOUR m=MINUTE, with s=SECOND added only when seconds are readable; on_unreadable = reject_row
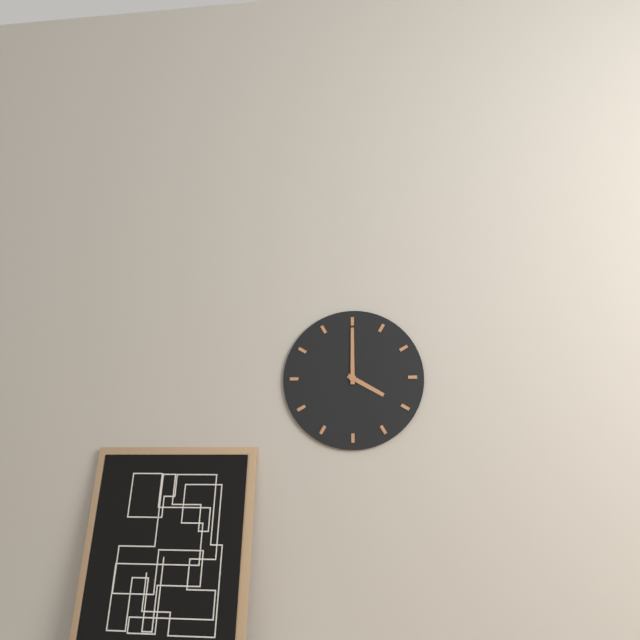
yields h=4 m=0
